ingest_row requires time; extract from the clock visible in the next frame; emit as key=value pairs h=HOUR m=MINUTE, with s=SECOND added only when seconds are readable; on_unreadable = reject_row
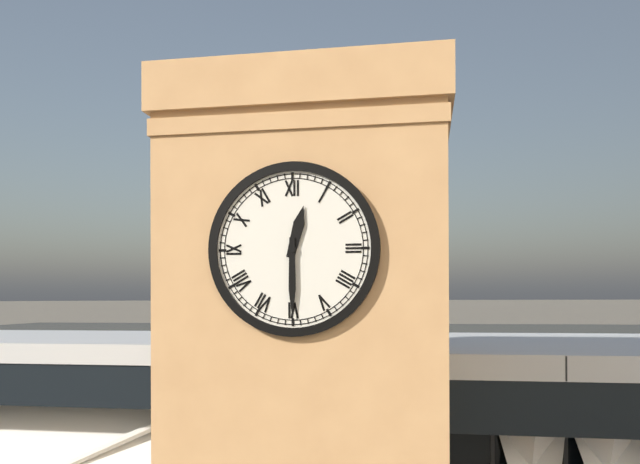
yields h=12 m=30
